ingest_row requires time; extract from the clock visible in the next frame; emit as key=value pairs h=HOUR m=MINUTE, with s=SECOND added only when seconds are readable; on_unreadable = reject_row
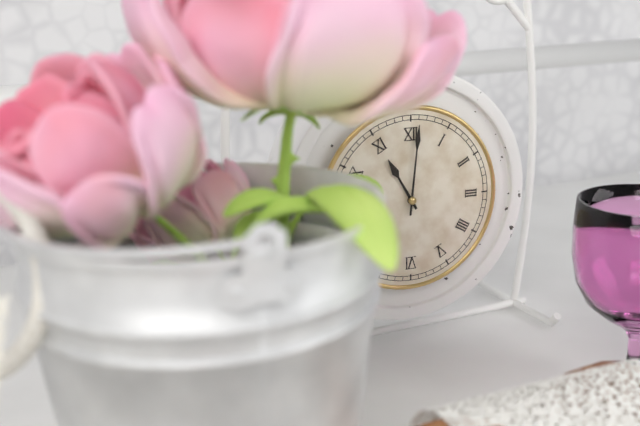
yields h=11 m=1
